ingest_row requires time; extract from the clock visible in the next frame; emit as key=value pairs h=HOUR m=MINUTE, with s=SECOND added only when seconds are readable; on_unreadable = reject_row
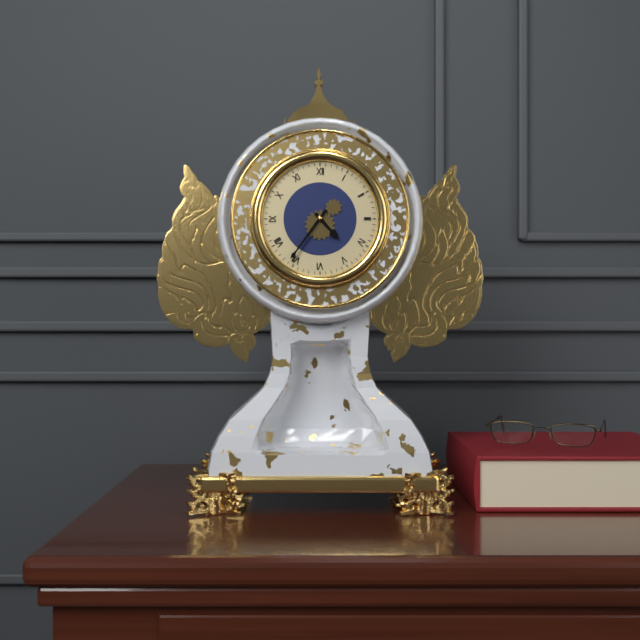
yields h=4 m=36
